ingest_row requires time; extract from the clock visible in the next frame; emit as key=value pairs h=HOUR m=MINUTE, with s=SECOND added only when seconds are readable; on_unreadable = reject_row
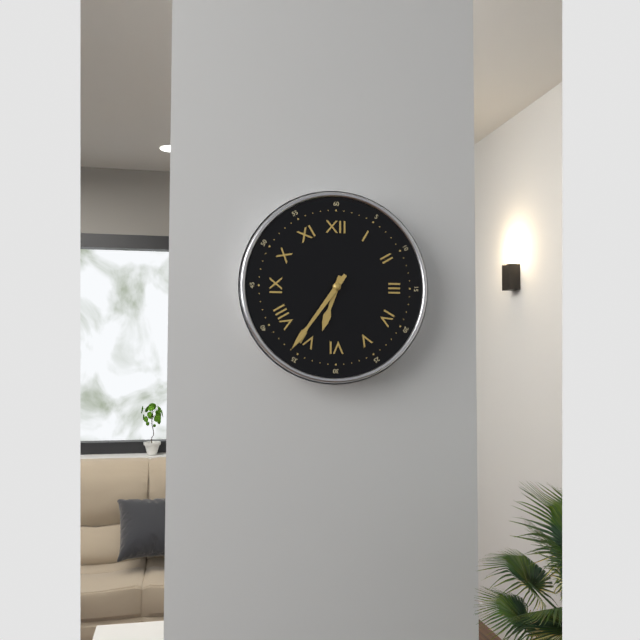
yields h=6 m=36
